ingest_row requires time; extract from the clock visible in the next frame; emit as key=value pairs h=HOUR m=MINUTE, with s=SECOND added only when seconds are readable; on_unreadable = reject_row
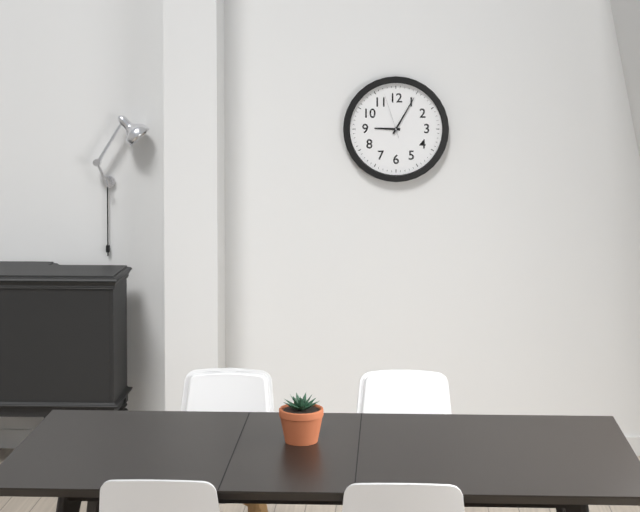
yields h=9 m=5
